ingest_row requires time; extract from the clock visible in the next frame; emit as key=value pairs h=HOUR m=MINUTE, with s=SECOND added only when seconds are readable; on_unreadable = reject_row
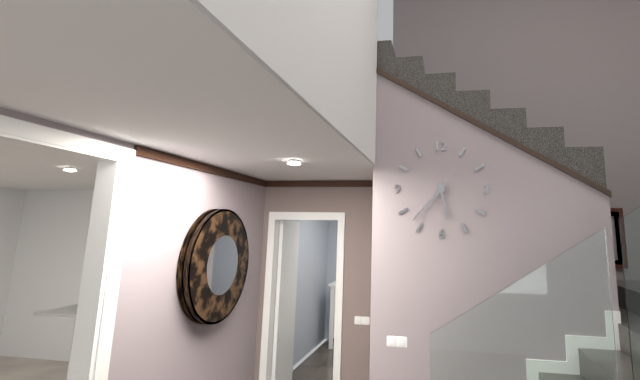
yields h=5 m=37
